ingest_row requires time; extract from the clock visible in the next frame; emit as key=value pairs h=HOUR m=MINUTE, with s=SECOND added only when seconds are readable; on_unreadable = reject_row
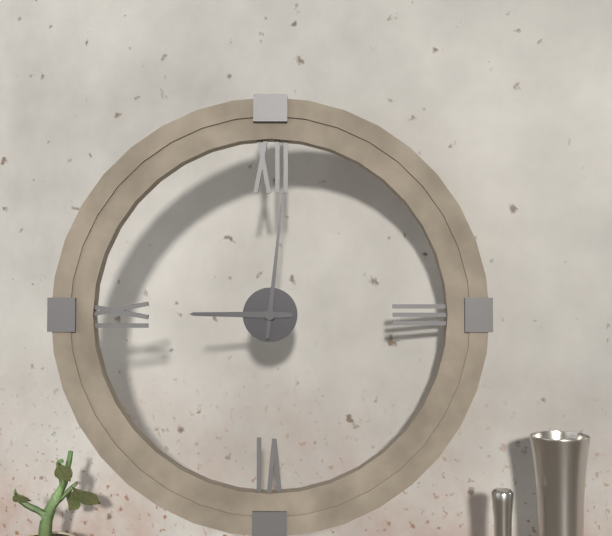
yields h=9 m=1
